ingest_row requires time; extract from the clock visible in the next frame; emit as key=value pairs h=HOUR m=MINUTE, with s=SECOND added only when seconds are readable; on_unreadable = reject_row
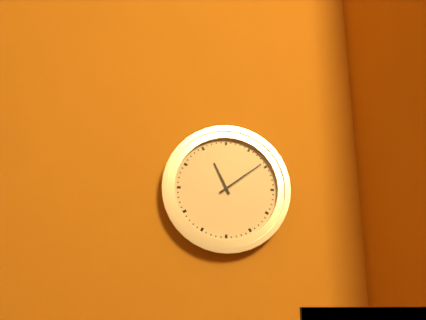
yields h=11 m=9
